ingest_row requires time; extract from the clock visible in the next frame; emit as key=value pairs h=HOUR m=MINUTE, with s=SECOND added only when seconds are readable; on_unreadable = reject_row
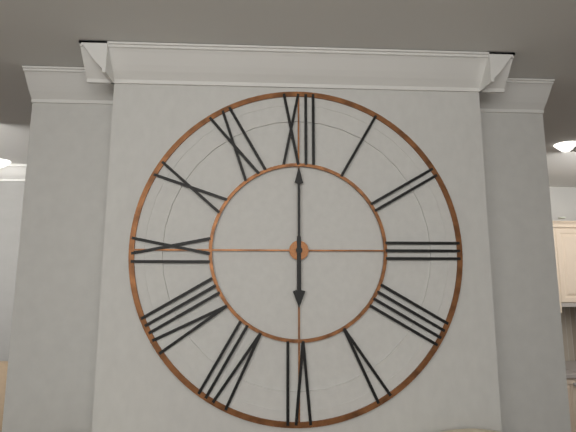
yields h=6 m=0
